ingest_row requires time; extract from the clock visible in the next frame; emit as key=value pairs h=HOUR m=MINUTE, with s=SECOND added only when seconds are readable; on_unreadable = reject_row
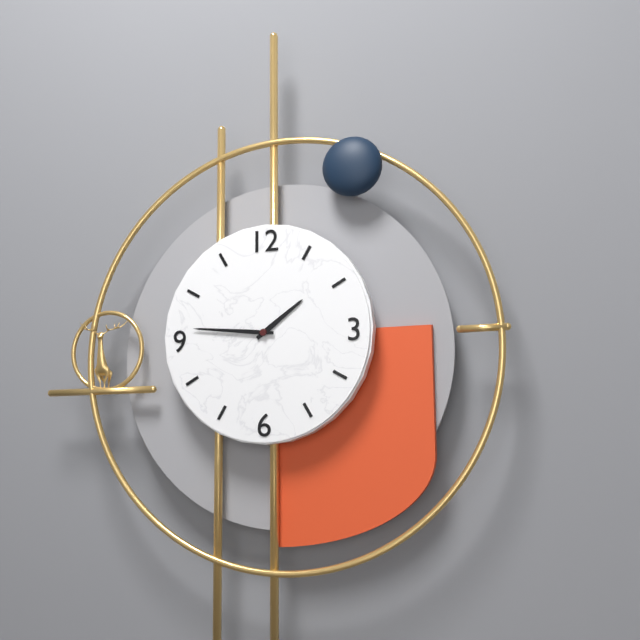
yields h=1 m=46
